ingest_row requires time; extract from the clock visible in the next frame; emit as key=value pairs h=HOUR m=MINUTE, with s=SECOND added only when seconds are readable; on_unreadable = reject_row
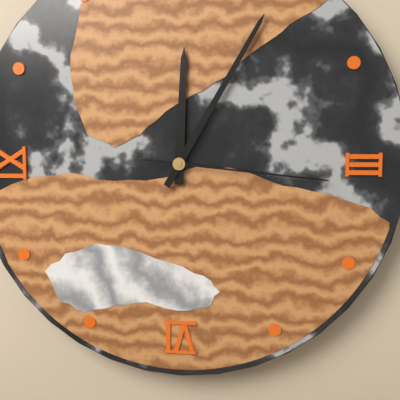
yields h=12 m=5 s=16
